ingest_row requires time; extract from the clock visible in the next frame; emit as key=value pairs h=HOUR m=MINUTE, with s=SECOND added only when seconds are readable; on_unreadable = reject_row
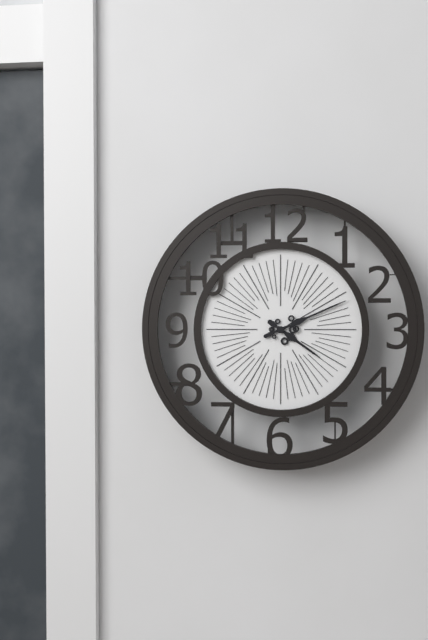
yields h=4 m=11
